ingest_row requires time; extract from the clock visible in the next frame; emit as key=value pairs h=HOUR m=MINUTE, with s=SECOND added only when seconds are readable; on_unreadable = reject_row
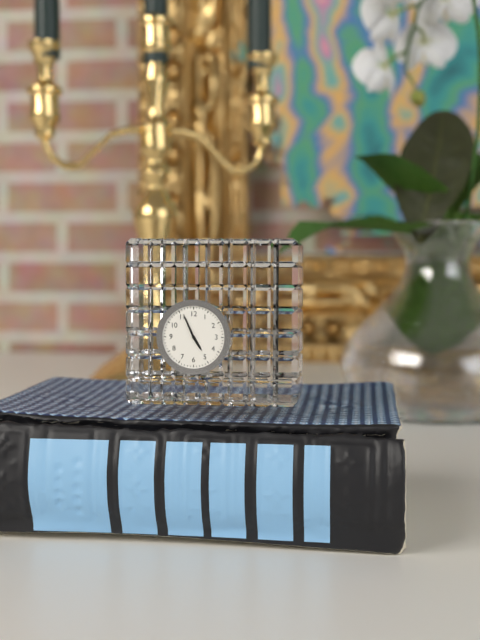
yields h=4 m=56
